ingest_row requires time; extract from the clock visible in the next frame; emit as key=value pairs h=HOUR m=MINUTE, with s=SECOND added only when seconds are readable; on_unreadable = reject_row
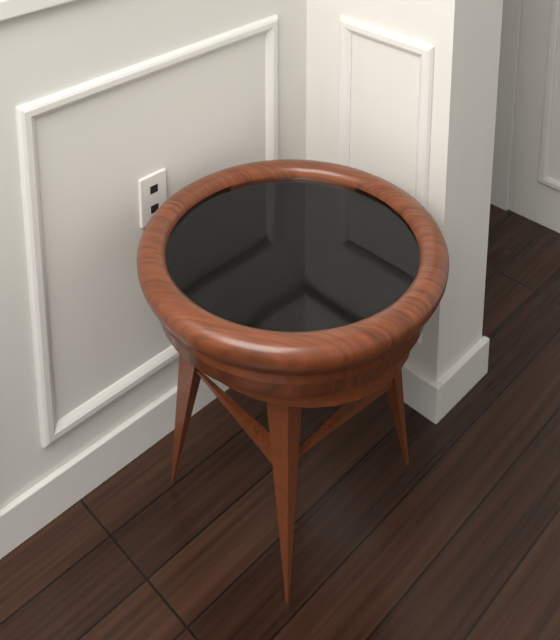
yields h=12 m=21
